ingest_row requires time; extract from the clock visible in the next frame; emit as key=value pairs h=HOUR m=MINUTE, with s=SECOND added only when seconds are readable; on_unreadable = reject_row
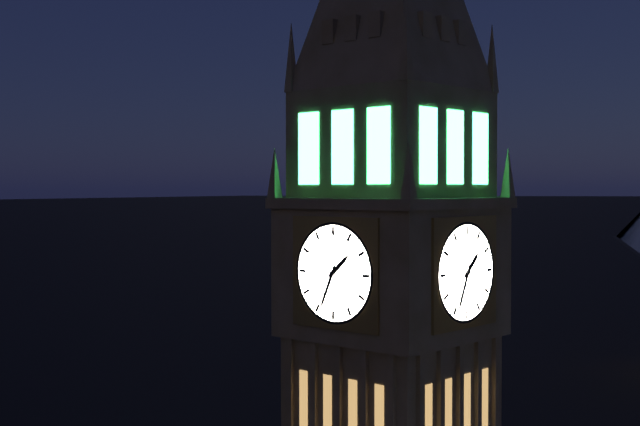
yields h=1 m=34
